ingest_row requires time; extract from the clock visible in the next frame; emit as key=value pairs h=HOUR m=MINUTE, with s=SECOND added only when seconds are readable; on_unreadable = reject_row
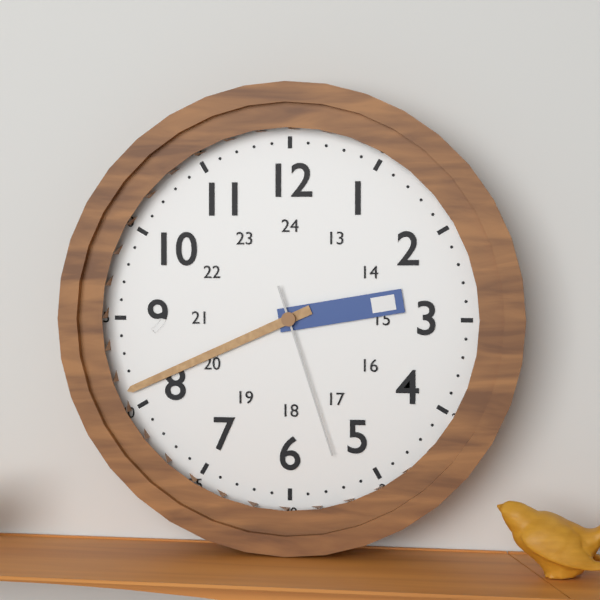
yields h=2 m=41 s=27
